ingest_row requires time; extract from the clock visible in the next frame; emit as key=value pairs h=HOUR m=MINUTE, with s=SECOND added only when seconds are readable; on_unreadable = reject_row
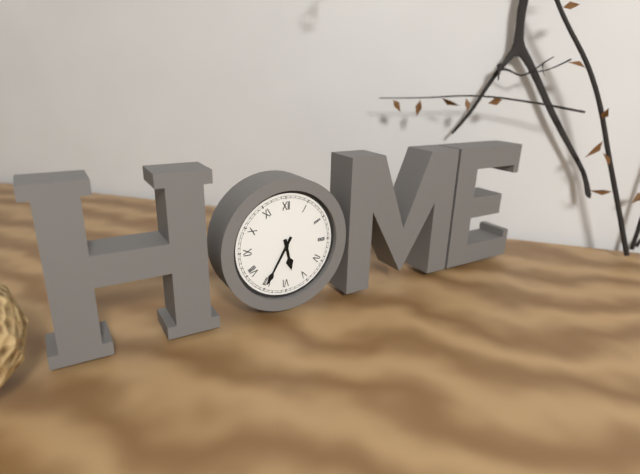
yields h=5 m=35
